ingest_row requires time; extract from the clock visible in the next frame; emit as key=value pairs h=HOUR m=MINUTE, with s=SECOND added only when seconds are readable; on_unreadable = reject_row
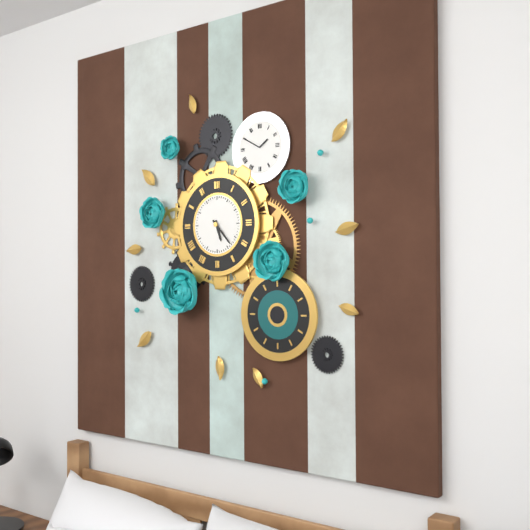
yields h=5 m=23
